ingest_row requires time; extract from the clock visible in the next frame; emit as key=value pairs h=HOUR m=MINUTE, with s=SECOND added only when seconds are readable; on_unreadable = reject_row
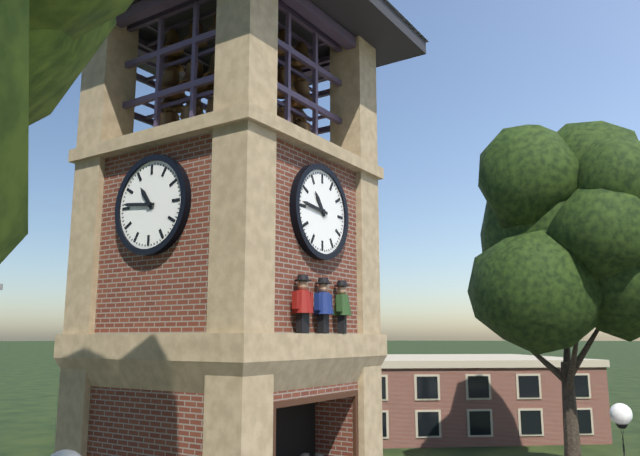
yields h=10 m=46
